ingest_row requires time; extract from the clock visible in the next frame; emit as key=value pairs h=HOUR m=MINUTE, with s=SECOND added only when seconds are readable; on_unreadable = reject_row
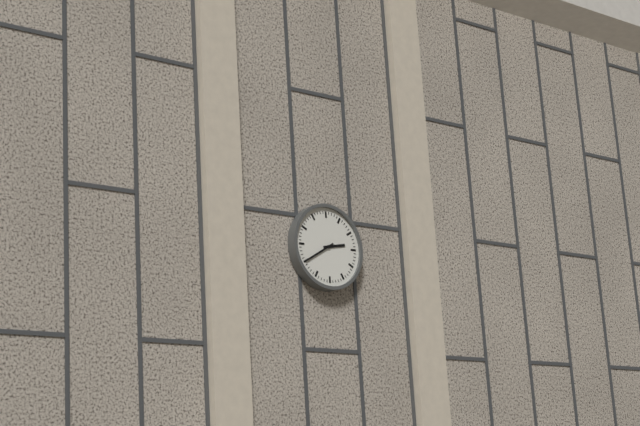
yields h=2 m=40
